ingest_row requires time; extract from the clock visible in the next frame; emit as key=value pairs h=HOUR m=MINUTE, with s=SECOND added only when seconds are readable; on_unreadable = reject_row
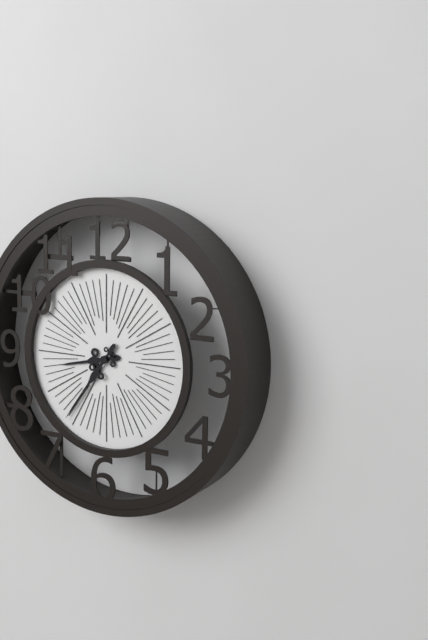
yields h=8 m=36
